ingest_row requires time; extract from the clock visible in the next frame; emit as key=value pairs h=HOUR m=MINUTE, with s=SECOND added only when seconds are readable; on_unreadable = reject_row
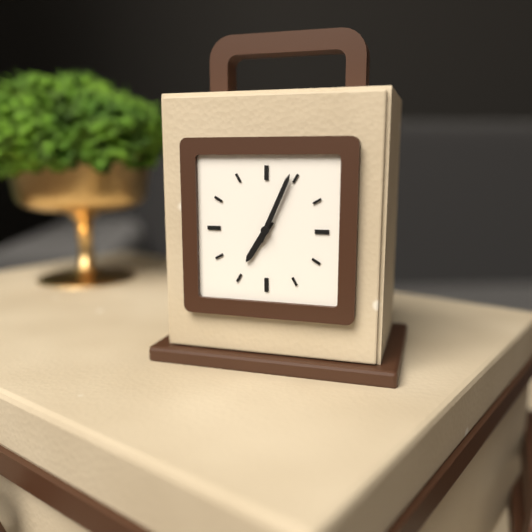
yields h=7 m=4
